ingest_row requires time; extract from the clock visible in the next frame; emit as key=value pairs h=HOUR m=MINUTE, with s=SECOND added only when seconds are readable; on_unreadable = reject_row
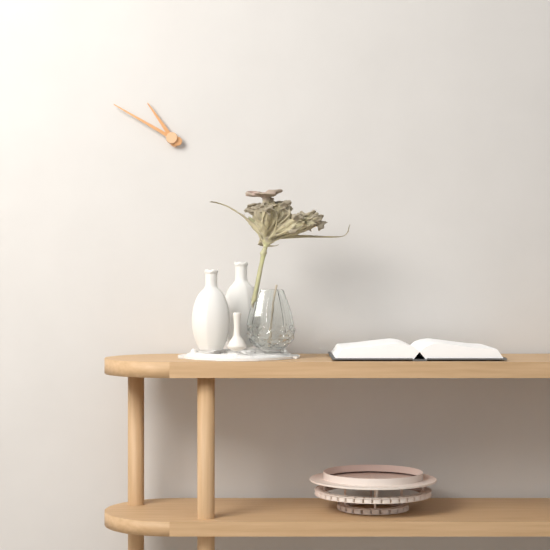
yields h=10 m=50
